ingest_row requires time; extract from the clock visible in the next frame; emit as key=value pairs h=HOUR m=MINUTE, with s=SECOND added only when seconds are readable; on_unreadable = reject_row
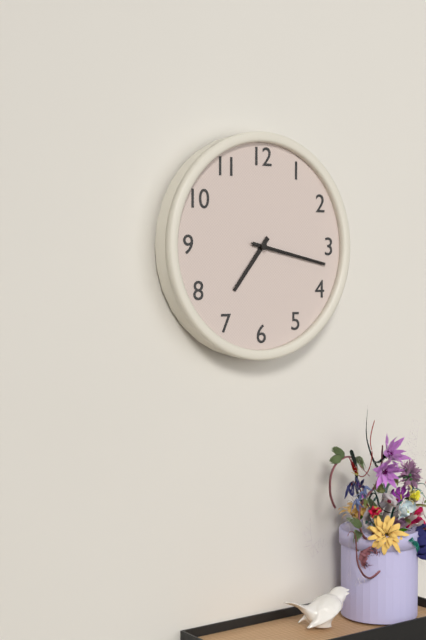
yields h=7 m=17 s=17
